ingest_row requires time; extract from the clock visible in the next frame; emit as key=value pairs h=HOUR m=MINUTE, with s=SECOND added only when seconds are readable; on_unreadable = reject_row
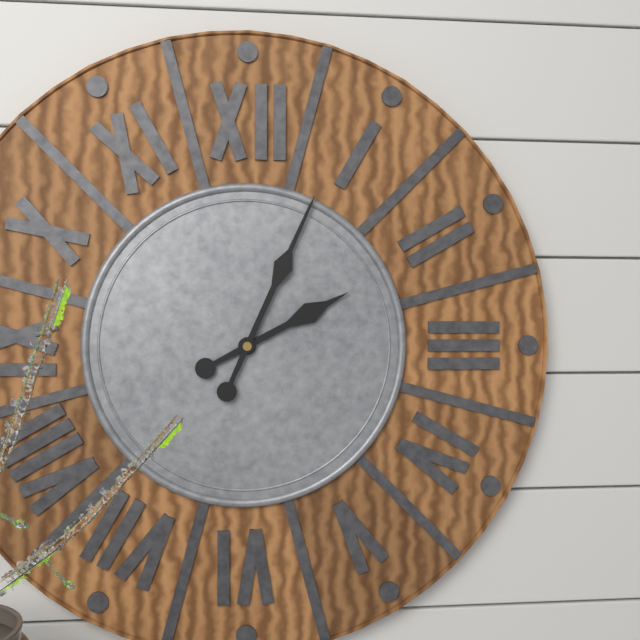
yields h=2 m=4
